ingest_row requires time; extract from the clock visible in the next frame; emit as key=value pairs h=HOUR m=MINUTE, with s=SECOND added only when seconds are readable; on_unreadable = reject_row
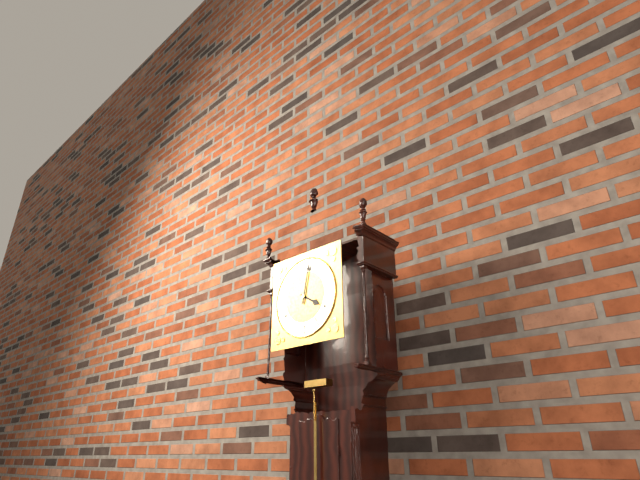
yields h=4 m=2
